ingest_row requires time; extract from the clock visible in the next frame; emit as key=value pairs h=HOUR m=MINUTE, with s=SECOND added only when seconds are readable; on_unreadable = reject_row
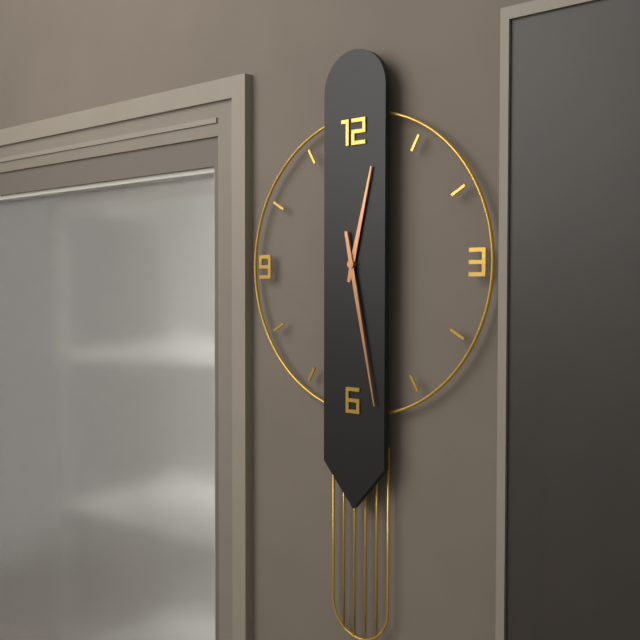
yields h=12 m=28
